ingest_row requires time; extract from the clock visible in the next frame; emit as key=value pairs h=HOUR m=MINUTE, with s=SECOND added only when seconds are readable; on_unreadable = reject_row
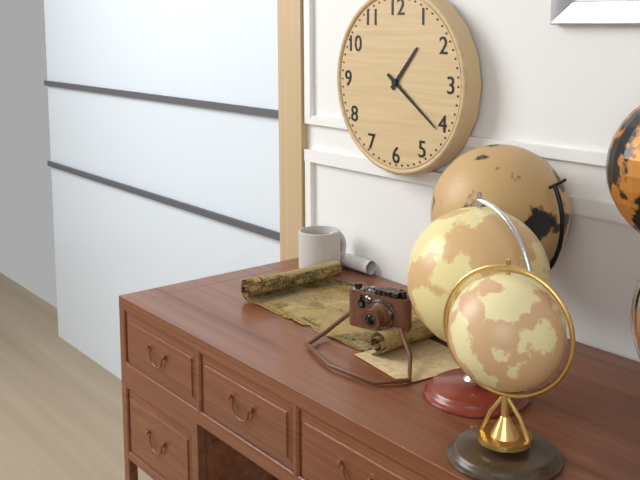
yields h=1 m=21
